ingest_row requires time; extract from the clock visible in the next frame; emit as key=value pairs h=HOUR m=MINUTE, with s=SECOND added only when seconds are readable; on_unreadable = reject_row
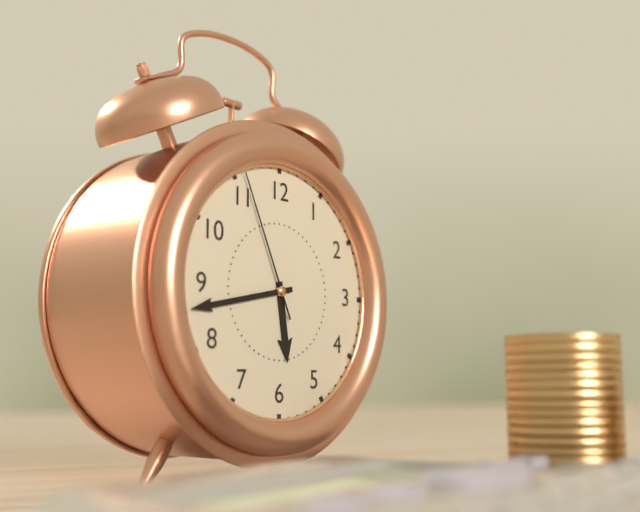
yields h=5 m=43 s=56
